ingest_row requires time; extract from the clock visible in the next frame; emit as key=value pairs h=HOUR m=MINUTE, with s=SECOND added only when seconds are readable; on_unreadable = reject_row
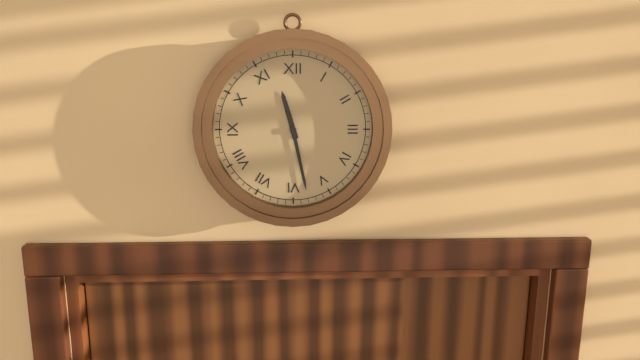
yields h=11 m=28
